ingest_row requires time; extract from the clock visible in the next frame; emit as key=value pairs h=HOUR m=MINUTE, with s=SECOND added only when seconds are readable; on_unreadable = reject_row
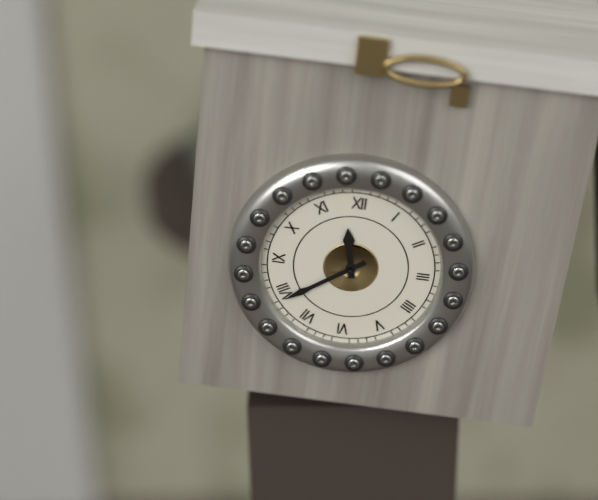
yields h=11 m=39
